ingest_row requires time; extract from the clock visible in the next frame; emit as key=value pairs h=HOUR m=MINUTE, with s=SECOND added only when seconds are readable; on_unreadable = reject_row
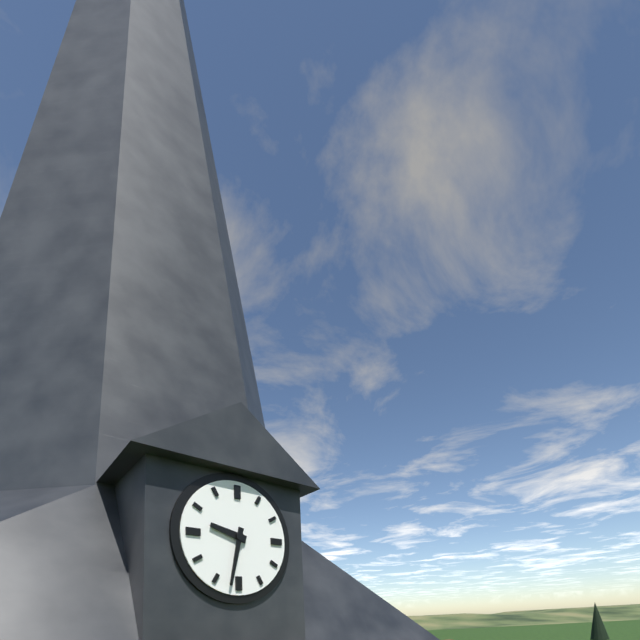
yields h=9 m=32
